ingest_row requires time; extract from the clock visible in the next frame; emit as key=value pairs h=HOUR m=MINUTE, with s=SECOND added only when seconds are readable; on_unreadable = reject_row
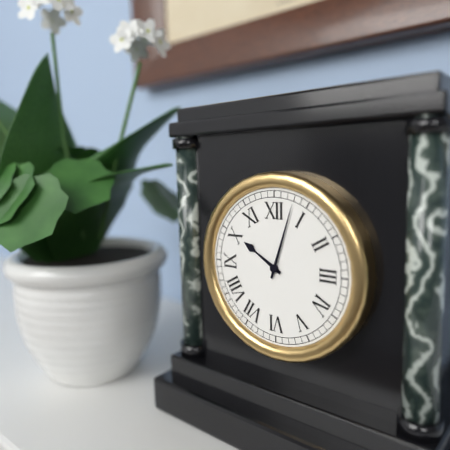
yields h=10 m=3
